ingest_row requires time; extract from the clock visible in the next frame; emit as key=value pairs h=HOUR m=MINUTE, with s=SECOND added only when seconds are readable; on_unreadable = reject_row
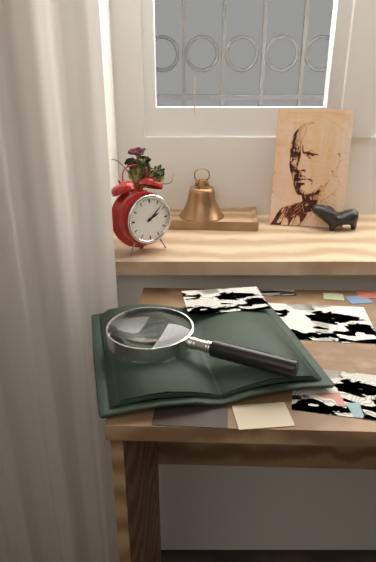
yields h=2 m=8
